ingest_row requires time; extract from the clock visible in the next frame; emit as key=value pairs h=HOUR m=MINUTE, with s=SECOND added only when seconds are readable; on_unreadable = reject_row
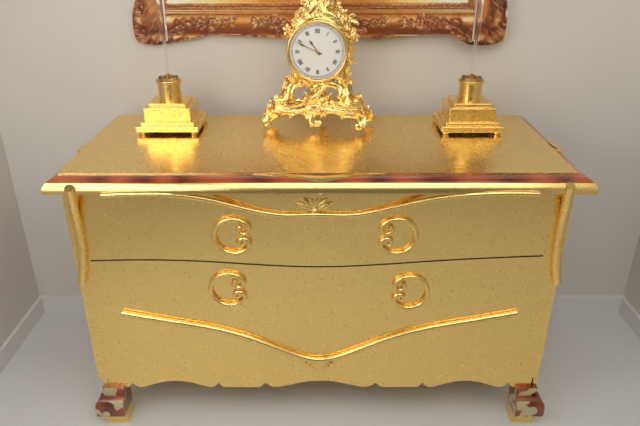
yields h=10 m=49
